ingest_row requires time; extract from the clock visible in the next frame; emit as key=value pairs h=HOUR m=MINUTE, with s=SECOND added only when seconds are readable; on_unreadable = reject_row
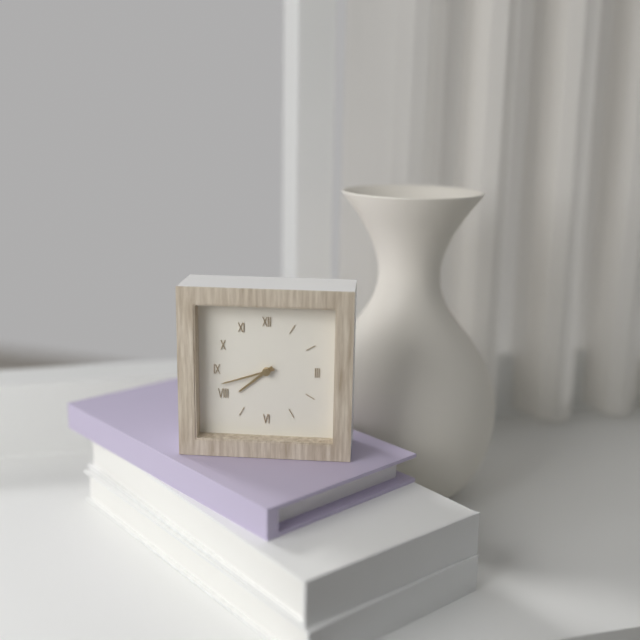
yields h=7 m=42
